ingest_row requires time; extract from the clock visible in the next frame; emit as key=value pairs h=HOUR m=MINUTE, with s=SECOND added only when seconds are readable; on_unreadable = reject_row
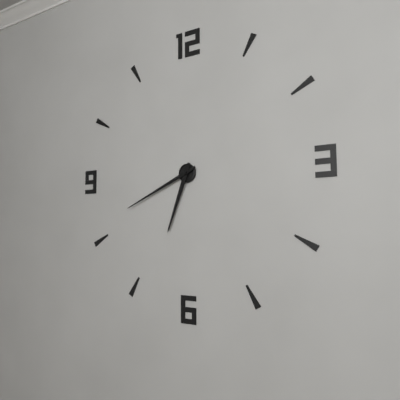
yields h=6 m=41
